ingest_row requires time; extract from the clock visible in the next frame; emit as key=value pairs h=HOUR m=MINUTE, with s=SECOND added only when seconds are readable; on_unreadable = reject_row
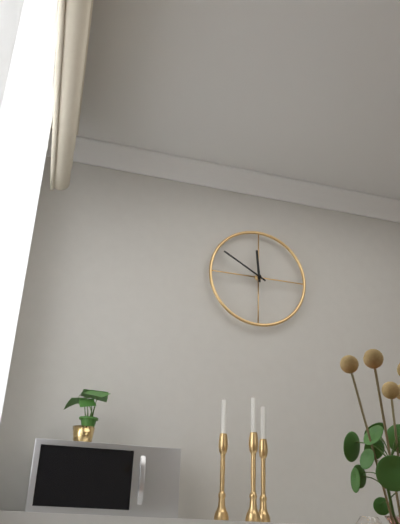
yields h=11 m=50
